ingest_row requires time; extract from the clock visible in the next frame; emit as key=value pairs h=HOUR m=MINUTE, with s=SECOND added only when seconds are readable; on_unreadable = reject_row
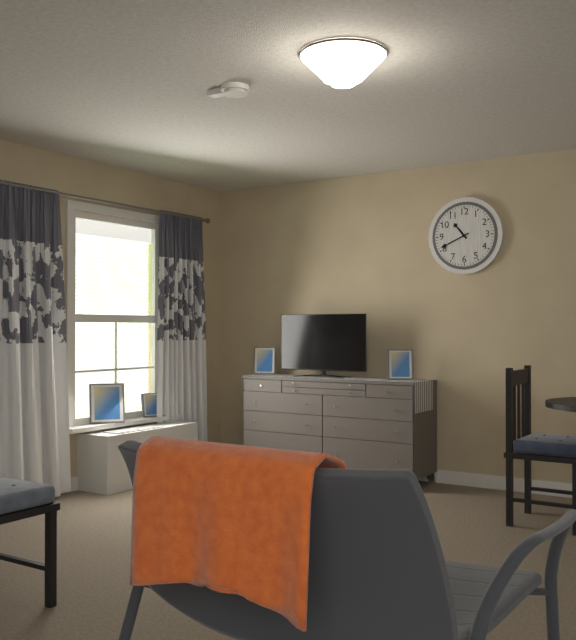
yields h=10 m=41
